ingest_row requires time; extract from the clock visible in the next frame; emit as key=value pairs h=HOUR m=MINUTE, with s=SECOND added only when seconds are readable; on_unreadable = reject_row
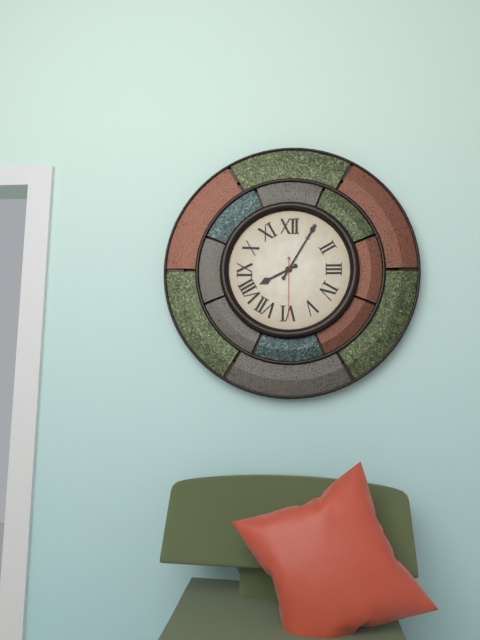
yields h=8 m=5 s=30
